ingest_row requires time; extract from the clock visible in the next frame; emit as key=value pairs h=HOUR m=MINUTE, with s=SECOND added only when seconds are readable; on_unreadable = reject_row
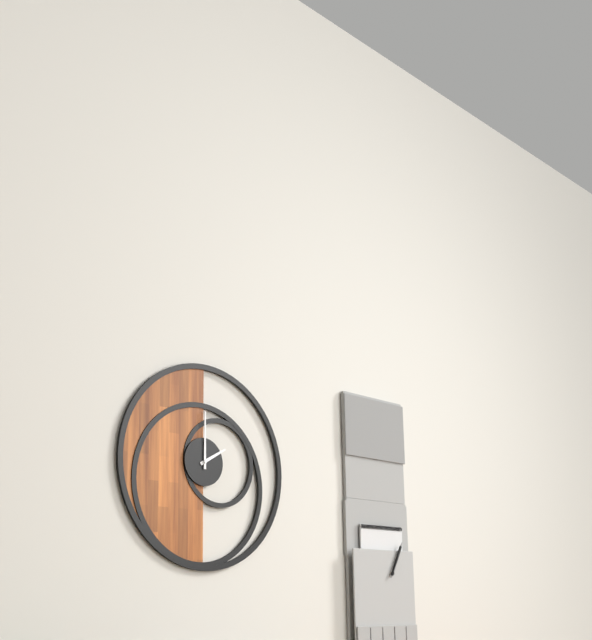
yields h=2 m=0
